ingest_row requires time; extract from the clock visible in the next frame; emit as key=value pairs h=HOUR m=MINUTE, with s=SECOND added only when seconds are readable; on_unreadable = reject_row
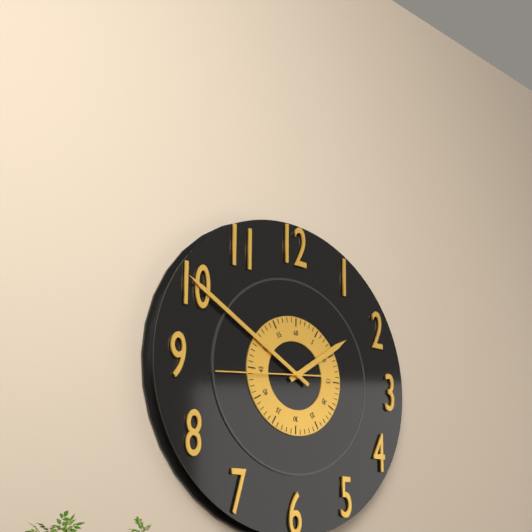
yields h=1 m=50 s=44
